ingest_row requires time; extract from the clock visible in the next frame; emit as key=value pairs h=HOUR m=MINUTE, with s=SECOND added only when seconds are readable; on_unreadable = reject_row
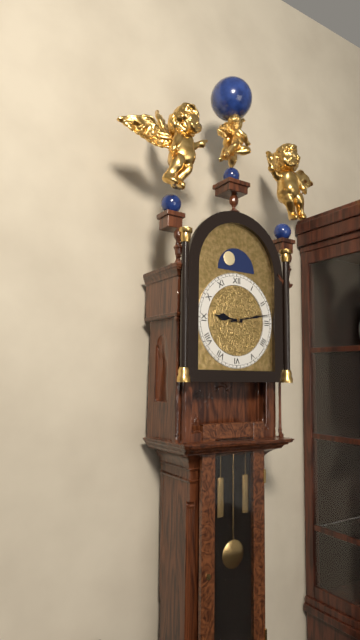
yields h=9 m=13
